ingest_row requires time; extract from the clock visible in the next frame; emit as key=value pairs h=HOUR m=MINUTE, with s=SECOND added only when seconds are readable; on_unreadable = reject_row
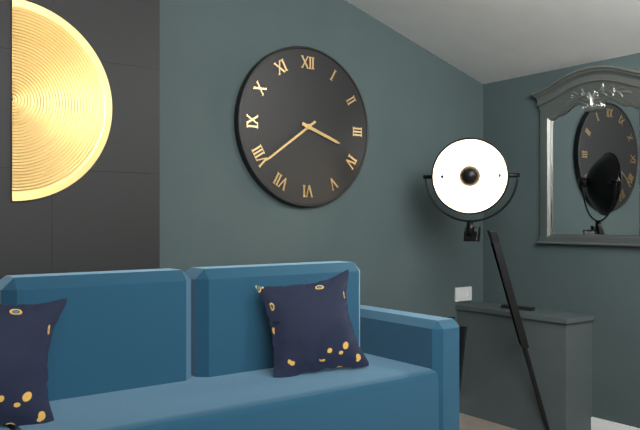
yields h=3 m=39
